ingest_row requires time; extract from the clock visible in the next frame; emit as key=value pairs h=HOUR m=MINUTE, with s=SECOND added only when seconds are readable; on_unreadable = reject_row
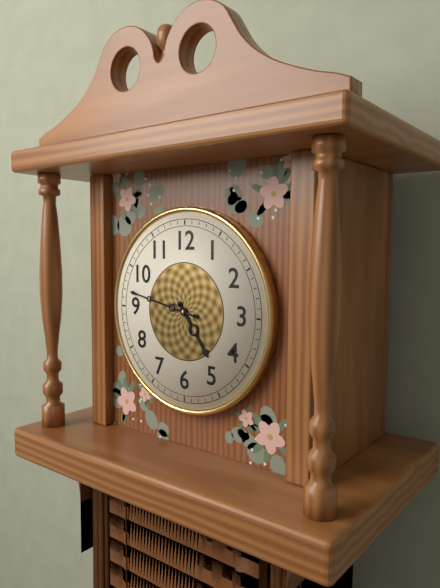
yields h=4 m=47
